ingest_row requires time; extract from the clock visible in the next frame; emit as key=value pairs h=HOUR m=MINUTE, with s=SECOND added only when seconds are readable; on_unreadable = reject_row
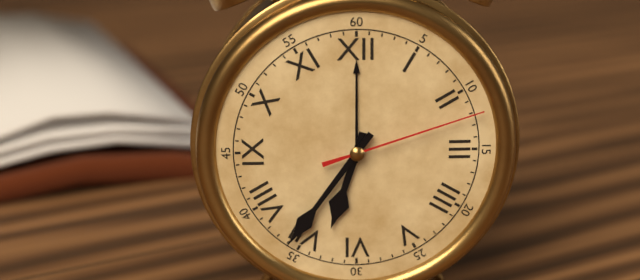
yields h=6 m=36 s=12
